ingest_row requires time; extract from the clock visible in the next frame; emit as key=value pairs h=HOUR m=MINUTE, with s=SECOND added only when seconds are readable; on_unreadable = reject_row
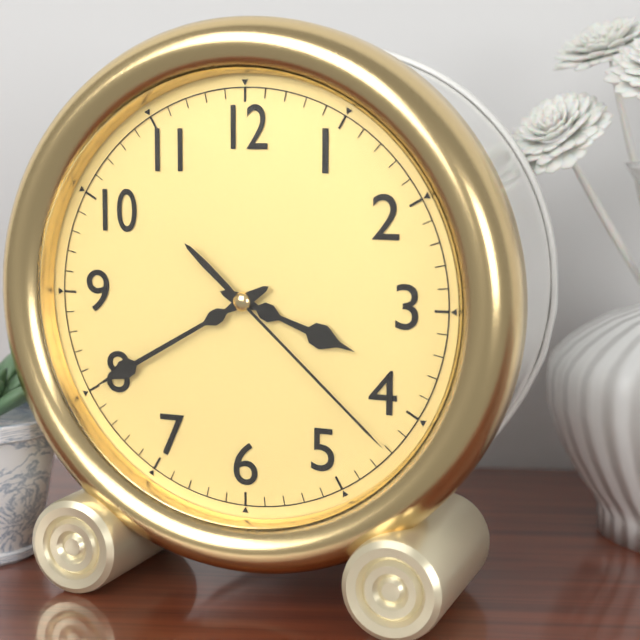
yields h=3 m=40 s=22
